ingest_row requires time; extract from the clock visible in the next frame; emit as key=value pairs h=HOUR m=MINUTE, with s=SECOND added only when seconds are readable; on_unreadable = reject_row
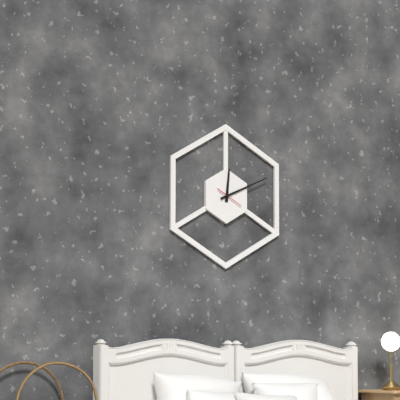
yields h=12 m=11
